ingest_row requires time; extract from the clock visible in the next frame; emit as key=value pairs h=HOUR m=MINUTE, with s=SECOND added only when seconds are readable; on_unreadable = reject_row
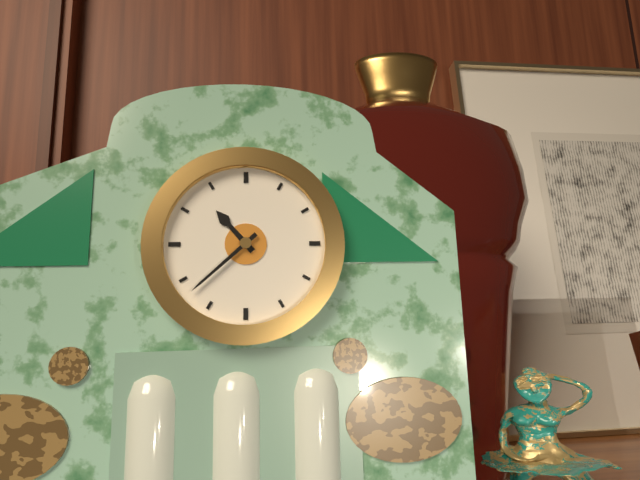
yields h=10 m=38
